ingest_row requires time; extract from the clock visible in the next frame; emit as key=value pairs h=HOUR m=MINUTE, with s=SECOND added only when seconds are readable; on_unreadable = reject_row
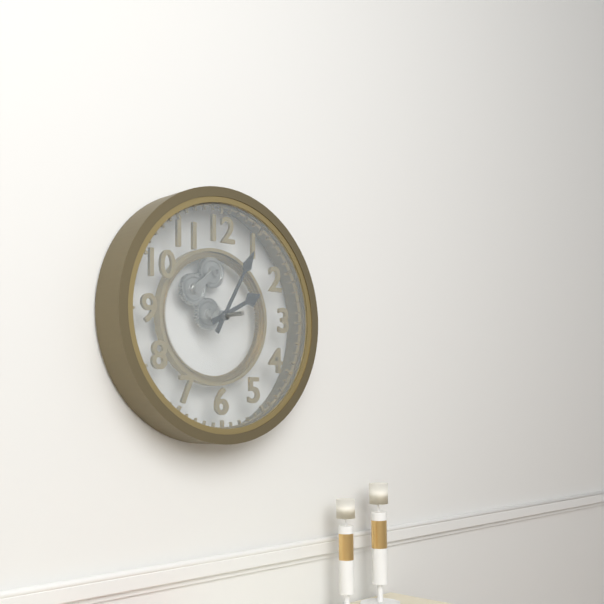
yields h=2 m=5
